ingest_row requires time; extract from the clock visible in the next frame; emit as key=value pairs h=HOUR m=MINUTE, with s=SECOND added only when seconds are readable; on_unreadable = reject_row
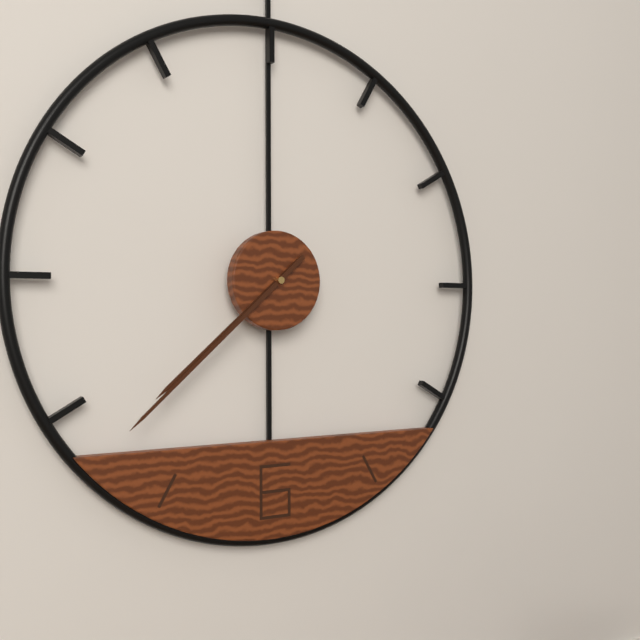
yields h=7 m=38
